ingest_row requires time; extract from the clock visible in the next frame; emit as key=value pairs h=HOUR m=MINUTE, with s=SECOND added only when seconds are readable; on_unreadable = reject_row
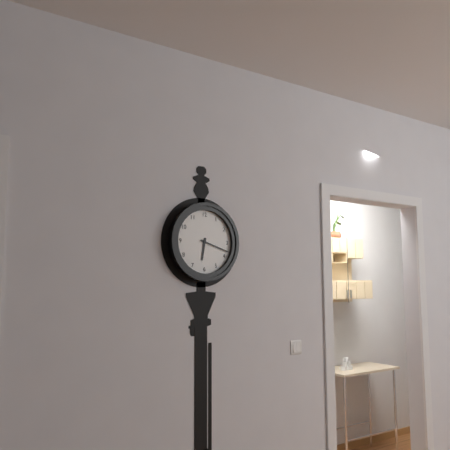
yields h=6 m=18
